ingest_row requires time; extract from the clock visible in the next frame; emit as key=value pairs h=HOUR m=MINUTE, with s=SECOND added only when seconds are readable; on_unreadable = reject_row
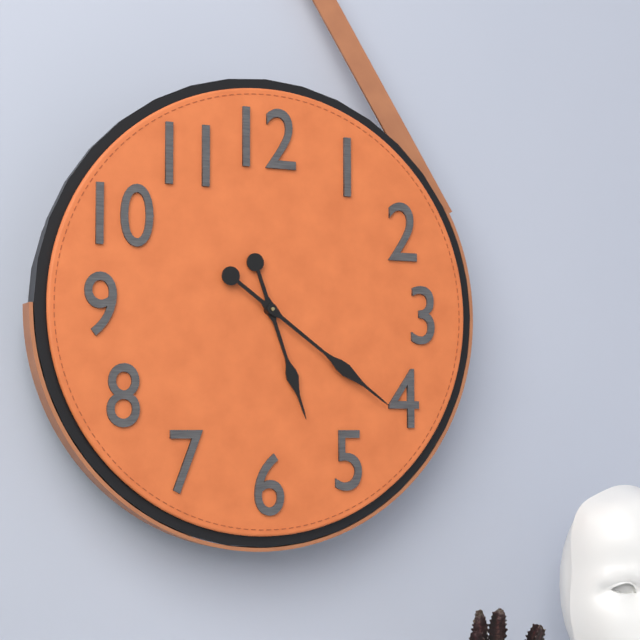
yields h=5 m=21
